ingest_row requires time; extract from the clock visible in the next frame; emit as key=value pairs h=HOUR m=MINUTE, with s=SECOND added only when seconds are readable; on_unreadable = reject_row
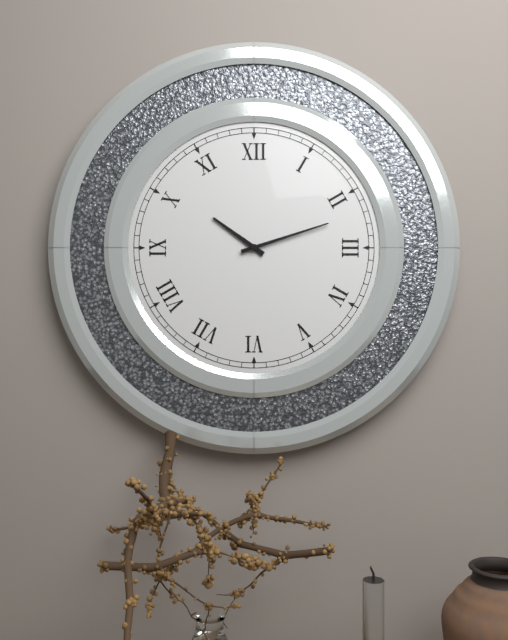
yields h=10 m=12
